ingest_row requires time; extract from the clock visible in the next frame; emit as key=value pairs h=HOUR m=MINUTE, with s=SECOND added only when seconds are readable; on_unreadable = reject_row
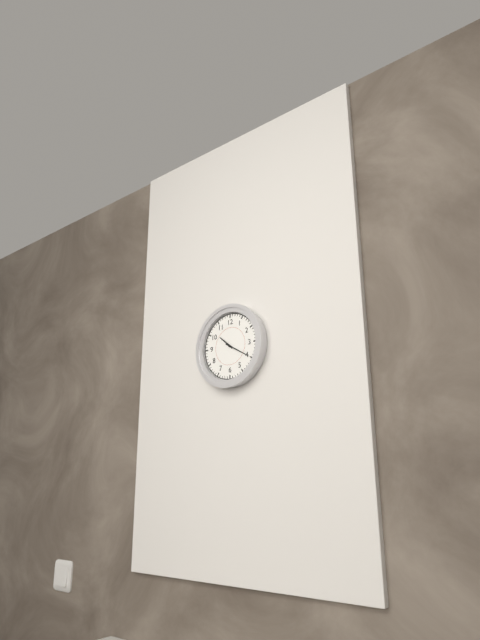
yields h=10 m=20
